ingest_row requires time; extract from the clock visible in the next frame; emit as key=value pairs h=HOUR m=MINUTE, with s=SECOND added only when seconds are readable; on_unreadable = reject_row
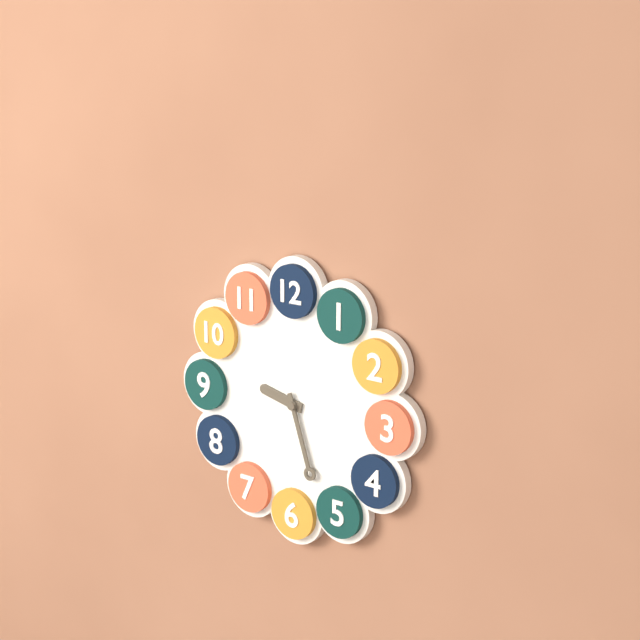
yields h=9 m=27
